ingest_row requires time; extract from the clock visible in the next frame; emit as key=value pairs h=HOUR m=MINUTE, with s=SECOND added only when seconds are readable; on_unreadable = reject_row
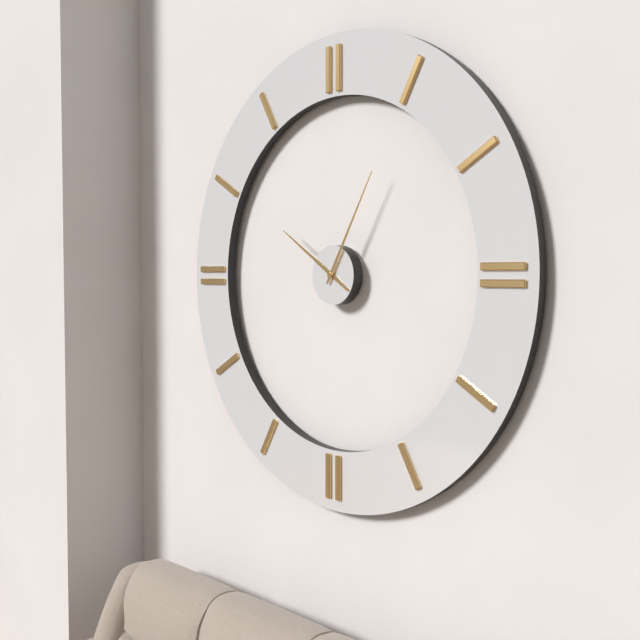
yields h=10 m=5
